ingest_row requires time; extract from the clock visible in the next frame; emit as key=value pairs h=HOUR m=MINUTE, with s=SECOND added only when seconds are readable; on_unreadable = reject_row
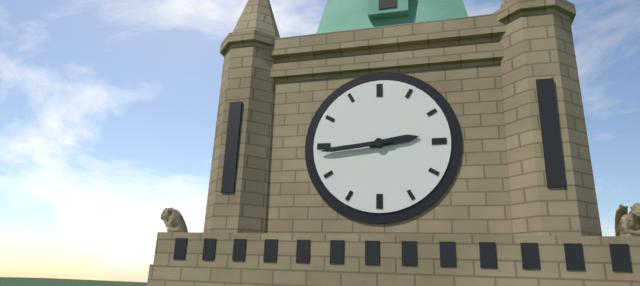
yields h=2 m=44
